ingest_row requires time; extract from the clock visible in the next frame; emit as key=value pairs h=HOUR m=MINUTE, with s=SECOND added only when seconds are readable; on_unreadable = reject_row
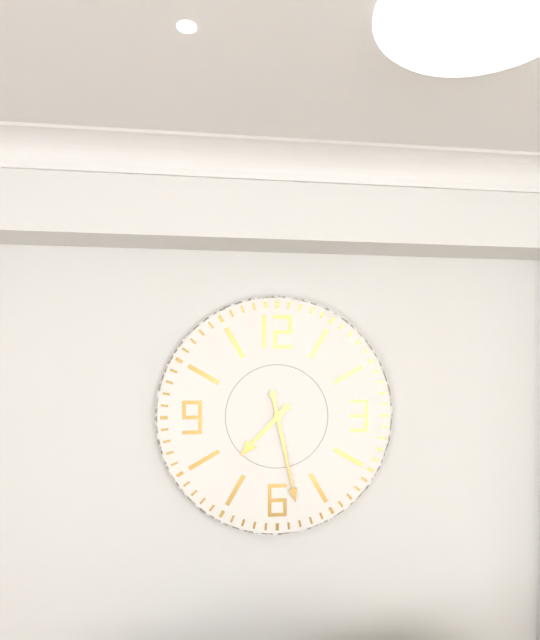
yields h=7 m=28
